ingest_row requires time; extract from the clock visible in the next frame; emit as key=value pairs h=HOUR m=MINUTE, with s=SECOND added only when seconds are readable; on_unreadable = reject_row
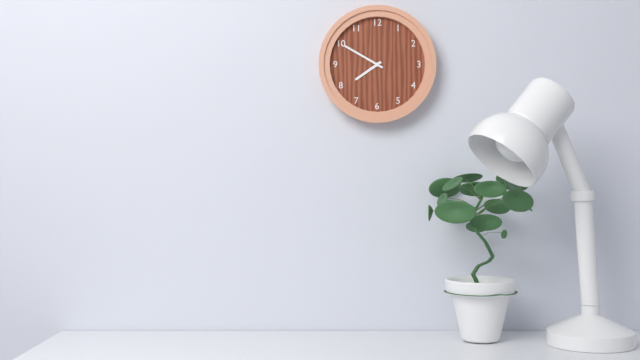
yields h=7 m=50
